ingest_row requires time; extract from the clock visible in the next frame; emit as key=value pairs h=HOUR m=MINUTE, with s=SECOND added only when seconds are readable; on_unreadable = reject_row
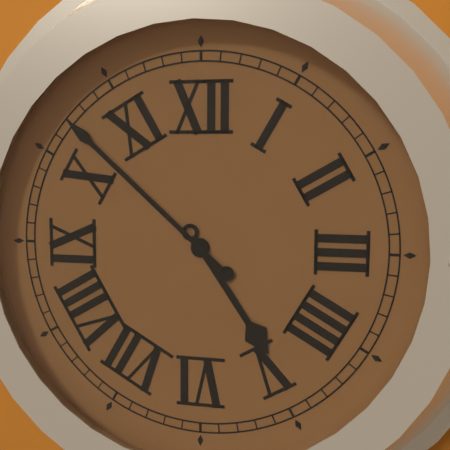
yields h=4 m=52
